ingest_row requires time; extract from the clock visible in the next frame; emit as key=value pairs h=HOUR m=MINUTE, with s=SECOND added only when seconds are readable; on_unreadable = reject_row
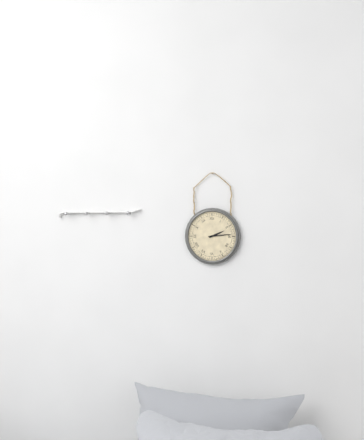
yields h=2 m=14
